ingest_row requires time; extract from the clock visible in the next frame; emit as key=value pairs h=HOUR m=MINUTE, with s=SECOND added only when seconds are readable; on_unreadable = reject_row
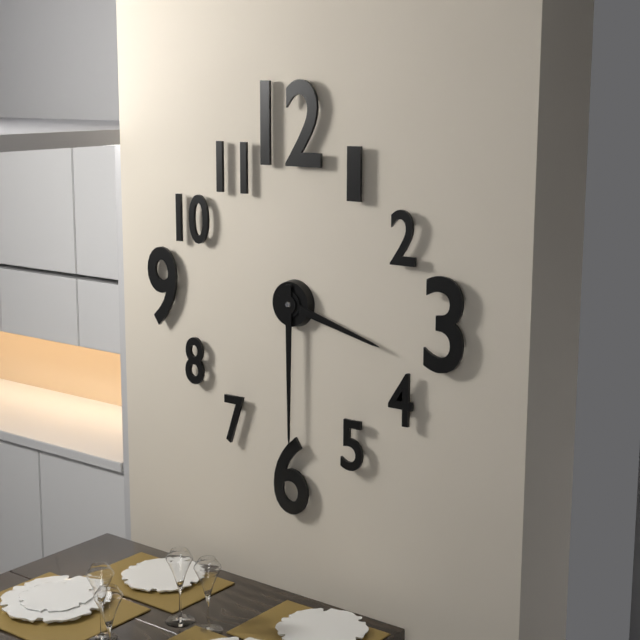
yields h=3 m=30
